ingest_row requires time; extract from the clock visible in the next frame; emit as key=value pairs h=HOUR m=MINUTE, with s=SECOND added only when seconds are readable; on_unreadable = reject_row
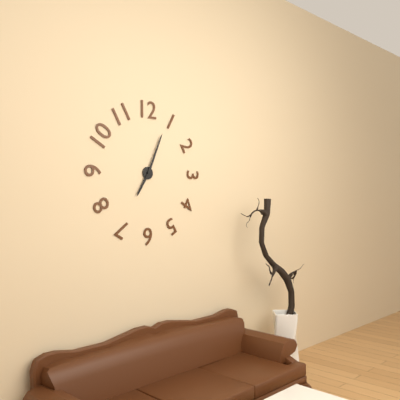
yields h=7 m=4
